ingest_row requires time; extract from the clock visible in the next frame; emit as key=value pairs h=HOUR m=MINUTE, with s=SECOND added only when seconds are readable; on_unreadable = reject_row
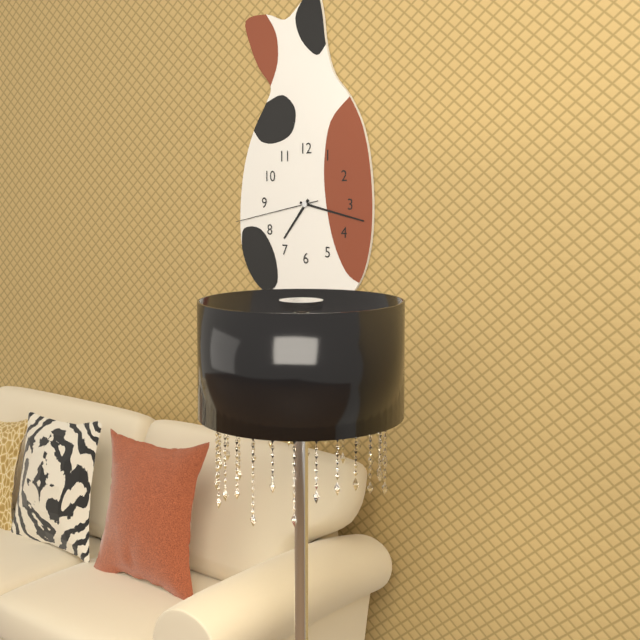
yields h=7 m=17 s=43
